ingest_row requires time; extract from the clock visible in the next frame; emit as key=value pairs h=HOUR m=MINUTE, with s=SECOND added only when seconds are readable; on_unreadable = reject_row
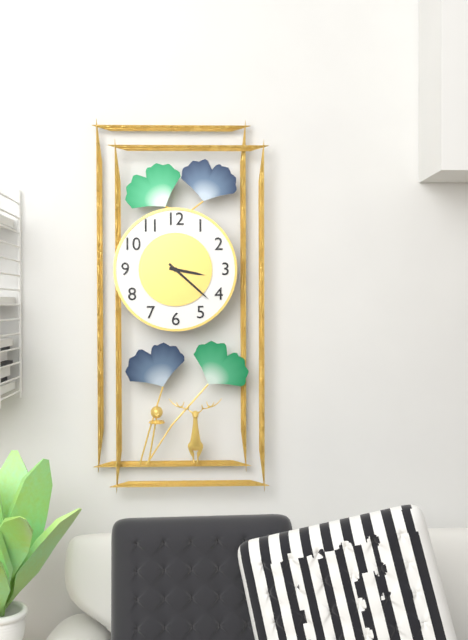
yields h=3 m=22
